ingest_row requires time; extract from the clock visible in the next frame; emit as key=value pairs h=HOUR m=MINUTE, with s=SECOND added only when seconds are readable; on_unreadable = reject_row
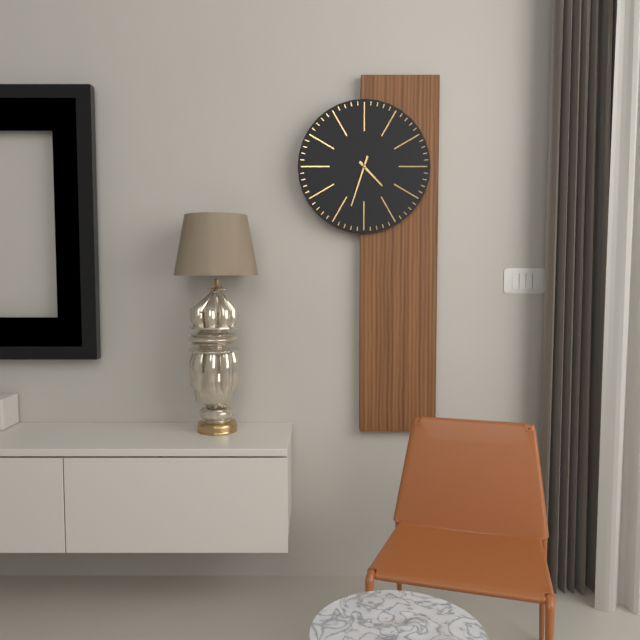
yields h=4 m=33
